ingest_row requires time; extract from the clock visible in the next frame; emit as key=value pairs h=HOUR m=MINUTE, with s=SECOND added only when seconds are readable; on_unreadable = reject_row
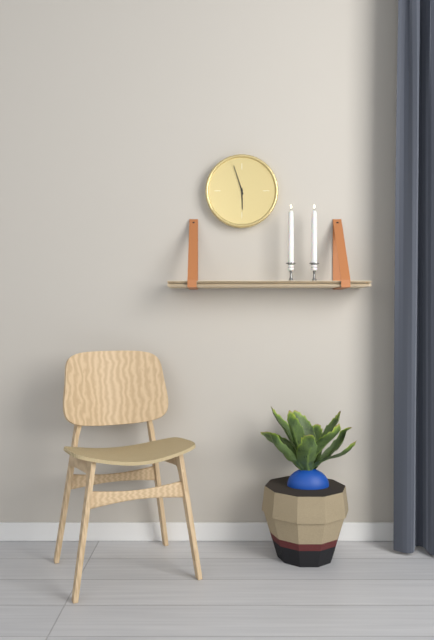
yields h=5 m=57
